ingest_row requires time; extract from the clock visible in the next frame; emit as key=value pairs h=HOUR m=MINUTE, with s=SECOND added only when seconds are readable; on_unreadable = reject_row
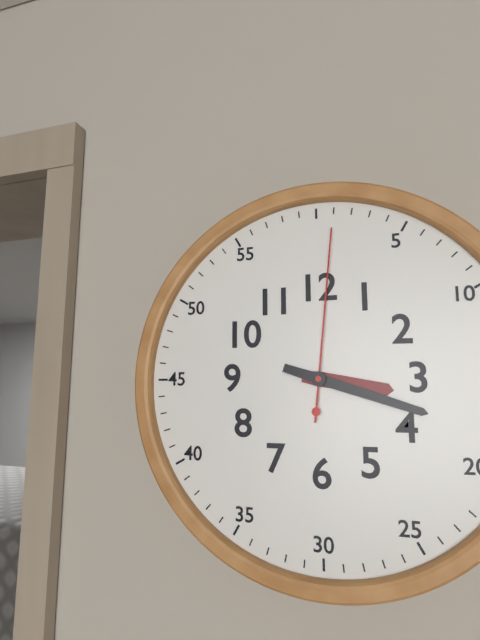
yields h=3 m=18 s=1
